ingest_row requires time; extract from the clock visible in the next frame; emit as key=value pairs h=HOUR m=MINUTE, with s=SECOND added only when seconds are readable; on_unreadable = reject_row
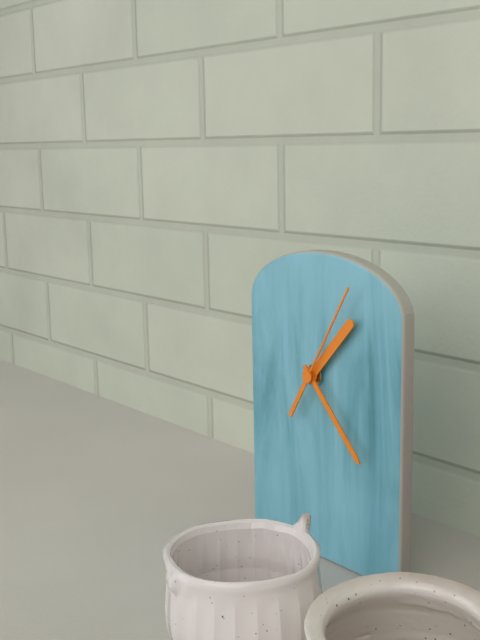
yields h=1 m=23 s=5
